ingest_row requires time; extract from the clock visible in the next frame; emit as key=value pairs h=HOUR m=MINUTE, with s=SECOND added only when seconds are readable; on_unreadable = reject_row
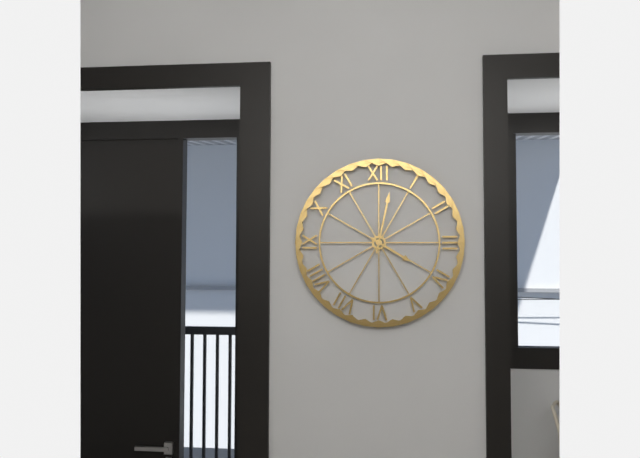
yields h=4 m=2
